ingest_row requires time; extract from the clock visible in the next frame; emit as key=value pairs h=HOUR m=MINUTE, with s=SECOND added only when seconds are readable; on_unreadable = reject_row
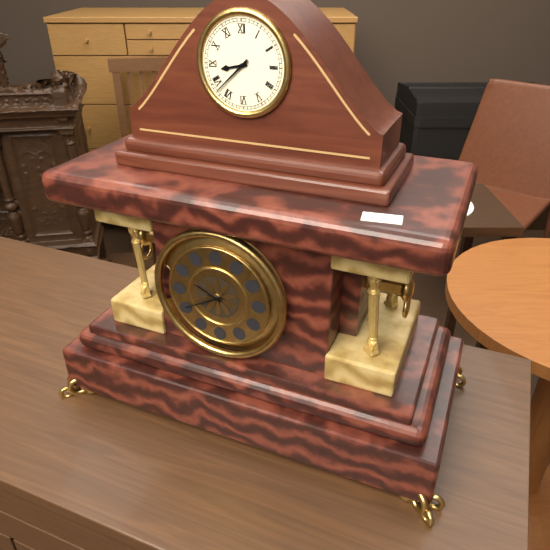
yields h=8 m=38
